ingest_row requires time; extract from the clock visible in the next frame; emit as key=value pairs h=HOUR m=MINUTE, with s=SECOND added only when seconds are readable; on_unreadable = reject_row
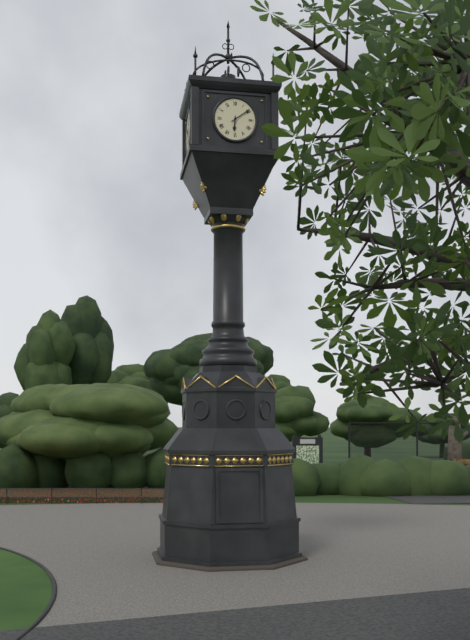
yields h=6 m=9
